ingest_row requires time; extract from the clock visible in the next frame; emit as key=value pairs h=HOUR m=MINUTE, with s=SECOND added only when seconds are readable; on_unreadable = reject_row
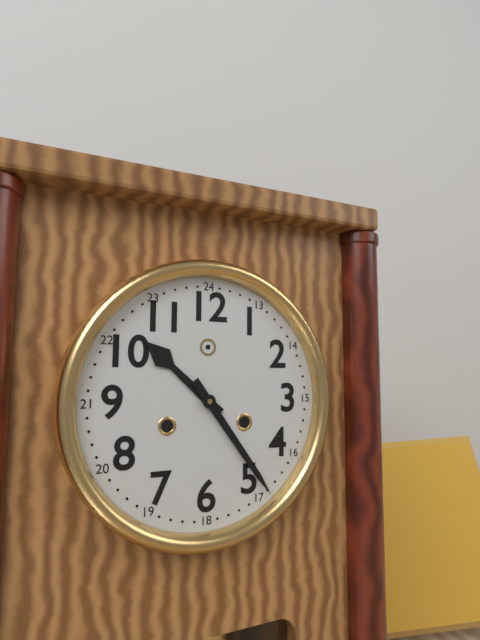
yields h=10 m=24
